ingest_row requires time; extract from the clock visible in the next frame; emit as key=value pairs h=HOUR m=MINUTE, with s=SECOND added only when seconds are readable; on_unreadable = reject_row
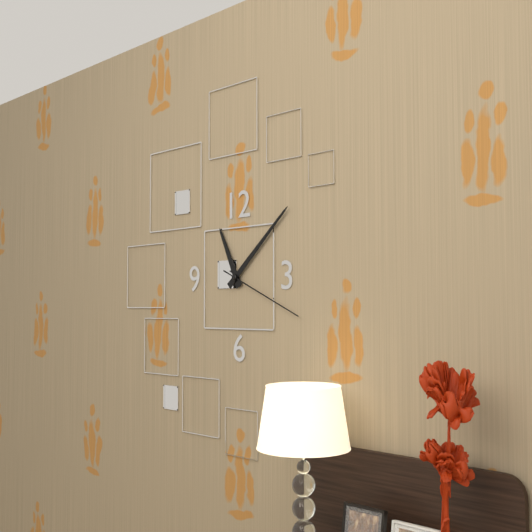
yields h=11 m=8 s=19
